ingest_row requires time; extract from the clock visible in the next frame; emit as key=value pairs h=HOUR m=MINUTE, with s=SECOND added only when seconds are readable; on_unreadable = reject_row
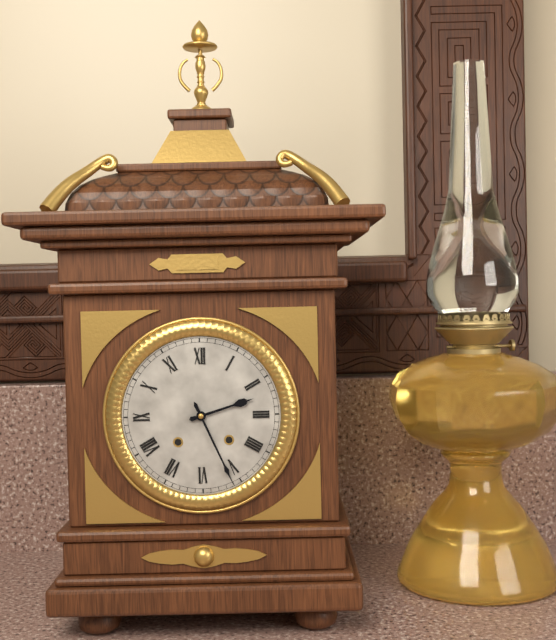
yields h=2 m=26
